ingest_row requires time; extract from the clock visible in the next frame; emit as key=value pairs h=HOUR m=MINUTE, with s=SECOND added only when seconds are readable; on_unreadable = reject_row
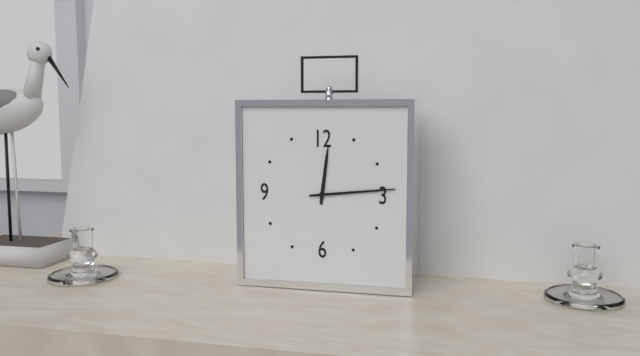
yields h=12 m=14
